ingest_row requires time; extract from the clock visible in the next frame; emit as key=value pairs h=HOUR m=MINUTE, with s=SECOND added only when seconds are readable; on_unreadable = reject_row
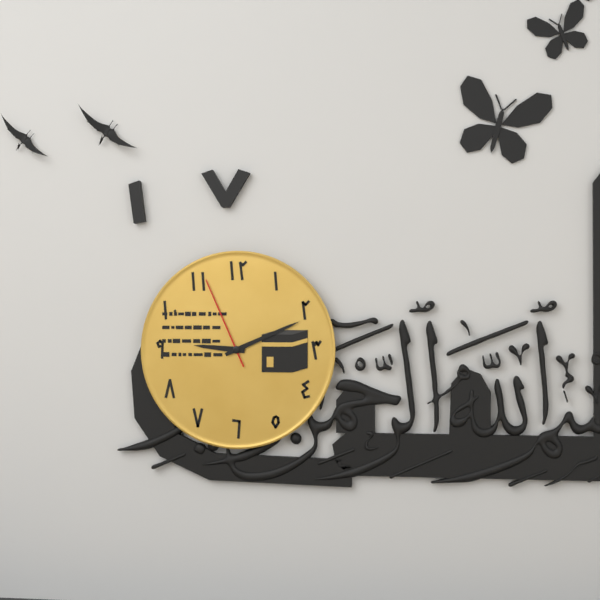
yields h=9 m=11 s=56
